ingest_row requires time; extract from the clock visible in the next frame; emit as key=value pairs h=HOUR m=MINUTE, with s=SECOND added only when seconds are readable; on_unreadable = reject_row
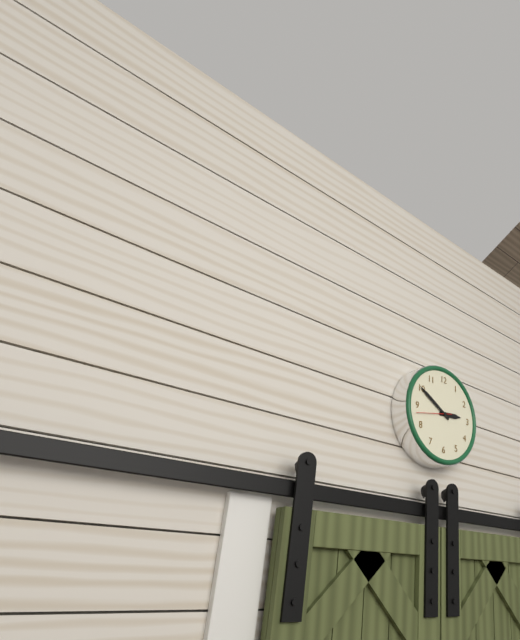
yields h=2 m=50
